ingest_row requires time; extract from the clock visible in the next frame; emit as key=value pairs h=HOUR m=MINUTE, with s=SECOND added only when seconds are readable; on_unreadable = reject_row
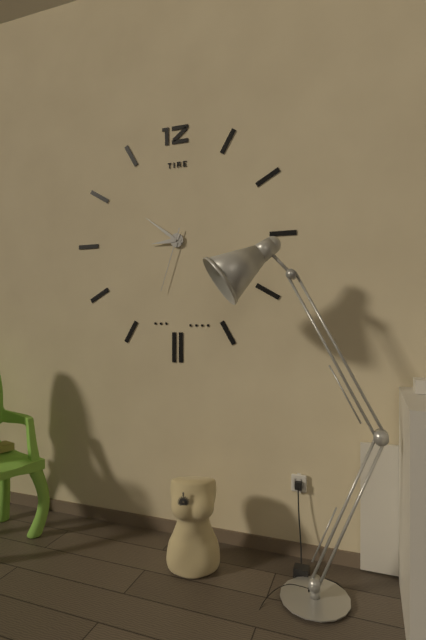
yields h=8 m=51 s=33
